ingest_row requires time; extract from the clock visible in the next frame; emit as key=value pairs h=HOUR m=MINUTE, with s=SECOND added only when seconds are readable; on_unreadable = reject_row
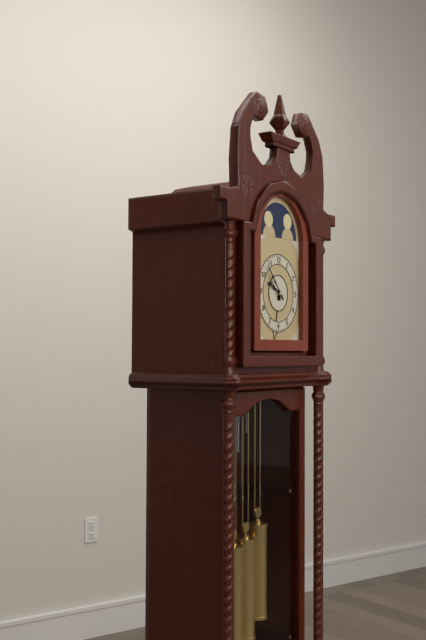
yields h=9 m=53
